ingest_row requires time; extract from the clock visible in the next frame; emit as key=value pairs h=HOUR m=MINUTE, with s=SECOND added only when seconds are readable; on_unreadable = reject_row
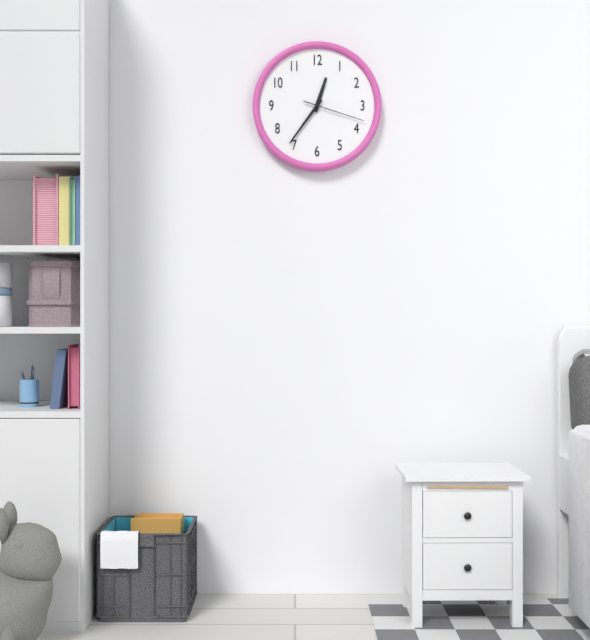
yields h=12 m=36 s=18
